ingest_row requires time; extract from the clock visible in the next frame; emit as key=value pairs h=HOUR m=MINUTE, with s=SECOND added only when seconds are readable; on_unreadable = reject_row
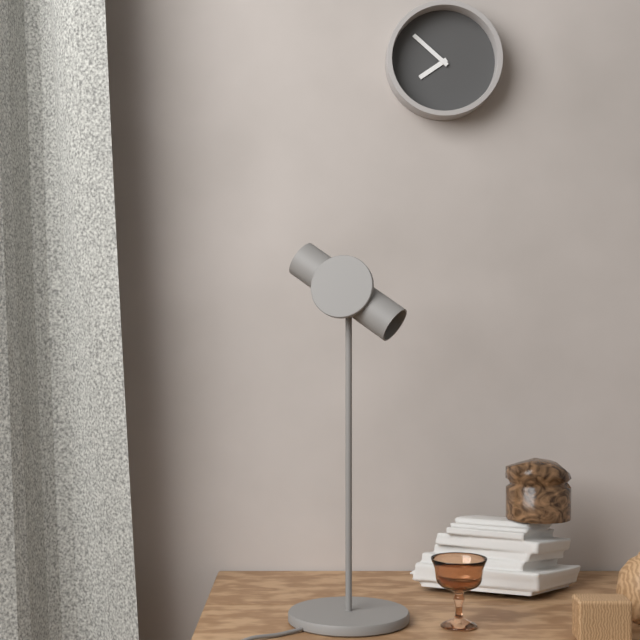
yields h=7 m=52
